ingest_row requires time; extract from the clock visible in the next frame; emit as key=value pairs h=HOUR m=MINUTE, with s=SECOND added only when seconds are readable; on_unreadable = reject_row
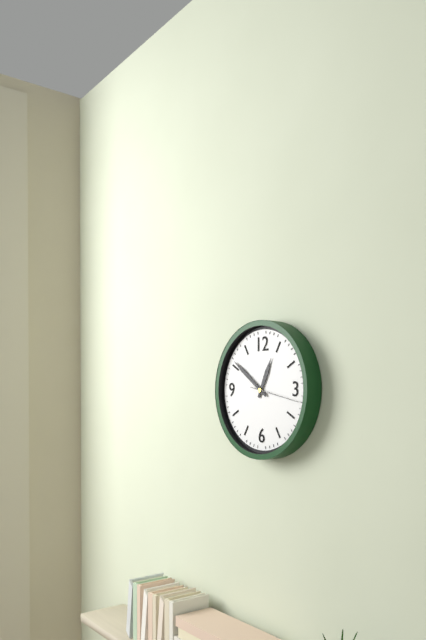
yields h=12 m=51 s=17
